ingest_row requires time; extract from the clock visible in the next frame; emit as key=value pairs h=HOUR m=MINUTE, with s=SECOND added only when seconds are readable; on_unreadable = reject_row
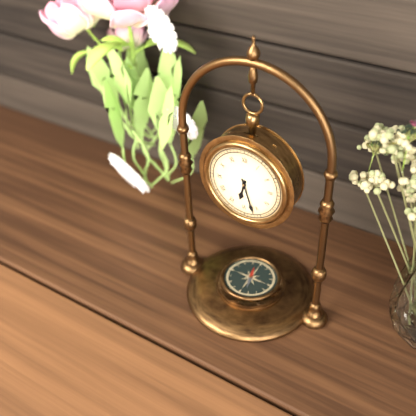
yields h=6 m=27
